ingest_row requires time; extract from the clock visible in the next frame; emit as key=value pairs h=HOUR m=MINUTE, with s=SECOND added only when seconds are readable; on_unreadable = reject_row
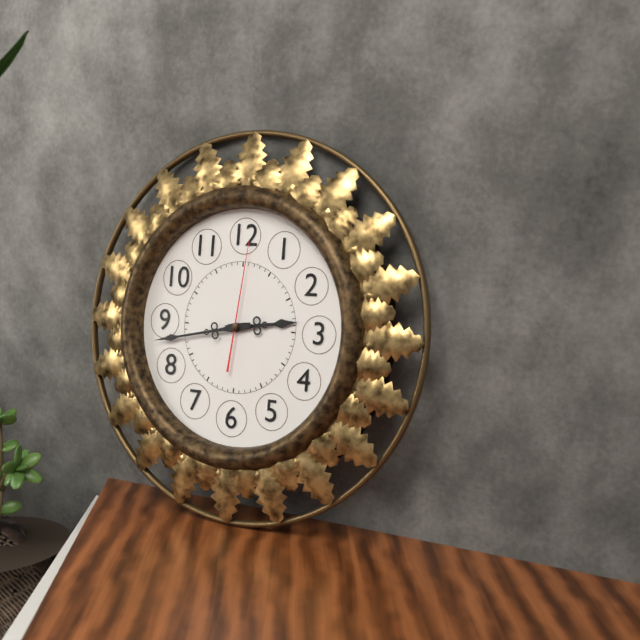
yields h=2 m=43 s=1
